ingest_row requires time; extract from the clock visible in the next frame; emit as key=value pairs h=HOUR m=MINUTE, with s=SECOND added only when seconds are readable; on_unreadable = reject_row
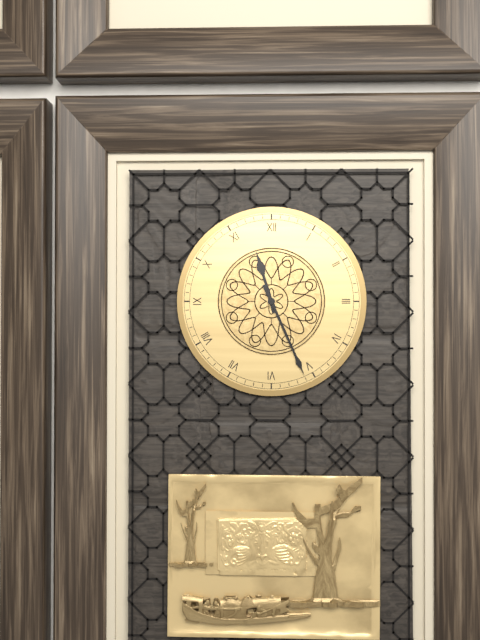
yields h=11 m=26
